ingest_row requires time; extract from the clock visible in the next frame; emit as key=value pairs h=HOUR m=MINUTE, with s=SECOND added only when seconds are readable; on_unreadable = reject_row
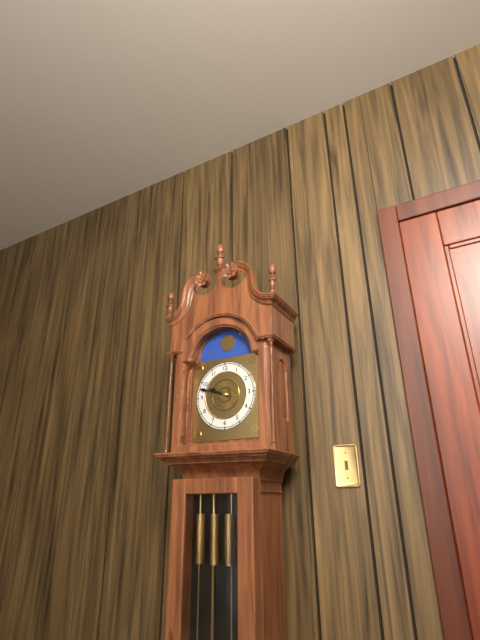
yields h=9 m=48
